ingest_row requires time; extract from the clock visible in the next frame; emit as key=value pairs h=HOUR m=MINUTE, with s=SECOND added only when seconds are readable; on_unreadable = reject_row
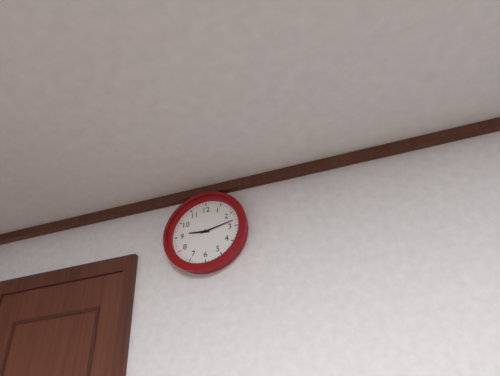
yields h=9 m=13
